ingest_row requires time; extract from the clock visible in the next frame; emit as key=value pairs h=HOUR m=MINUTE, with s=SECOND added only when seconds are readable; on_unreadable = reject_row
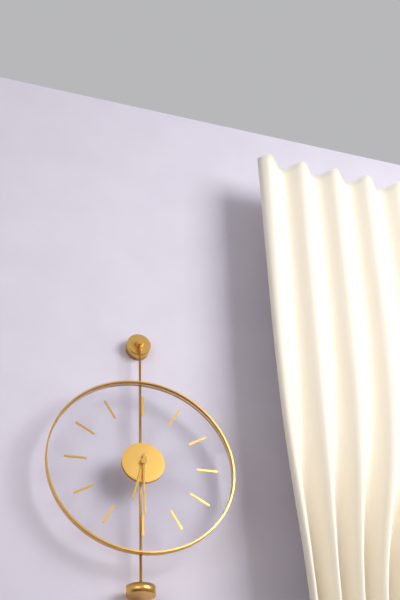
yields h=6 m=30
